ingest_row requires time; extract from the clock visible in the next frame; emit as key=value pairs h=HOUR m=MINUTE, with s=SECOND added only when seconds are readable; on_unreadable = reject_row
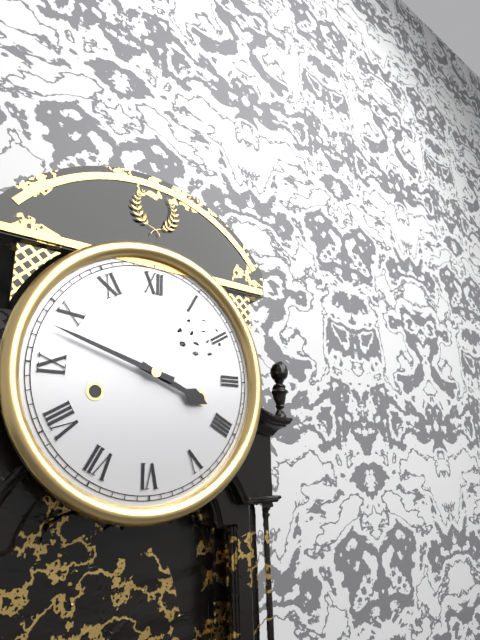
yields h=3 m=48
